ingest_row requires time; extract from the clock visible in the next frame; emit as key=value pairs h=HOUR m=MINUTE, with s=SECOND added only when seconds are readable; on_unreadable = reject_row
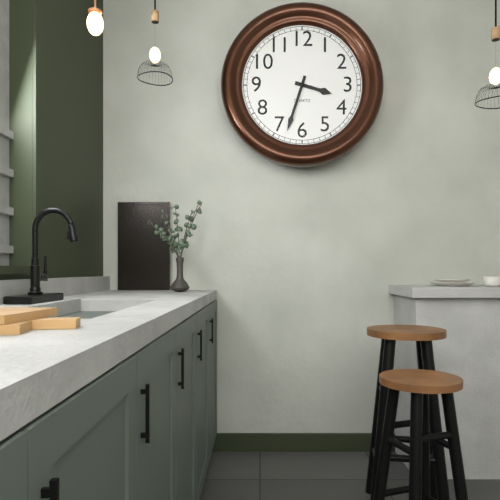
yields h=3 m=33
